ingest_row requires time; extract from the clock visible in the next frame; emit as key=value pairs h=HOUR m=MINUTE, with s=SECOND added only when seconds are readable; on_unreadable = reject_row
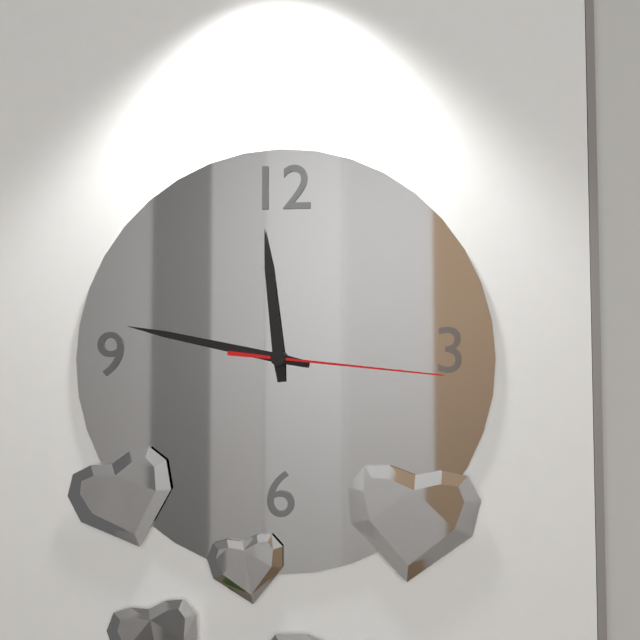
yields h=11 m=47 s=16
